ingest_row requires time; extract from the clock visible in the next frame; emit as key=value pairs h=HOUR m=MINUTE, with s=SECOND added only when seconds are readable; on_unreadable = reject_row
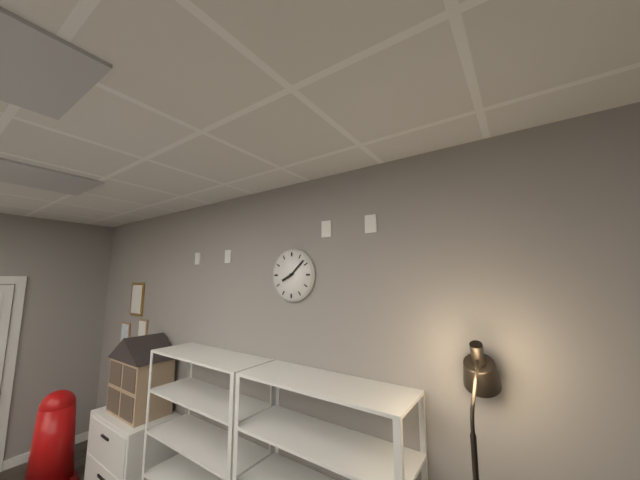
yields h=8 m=8
